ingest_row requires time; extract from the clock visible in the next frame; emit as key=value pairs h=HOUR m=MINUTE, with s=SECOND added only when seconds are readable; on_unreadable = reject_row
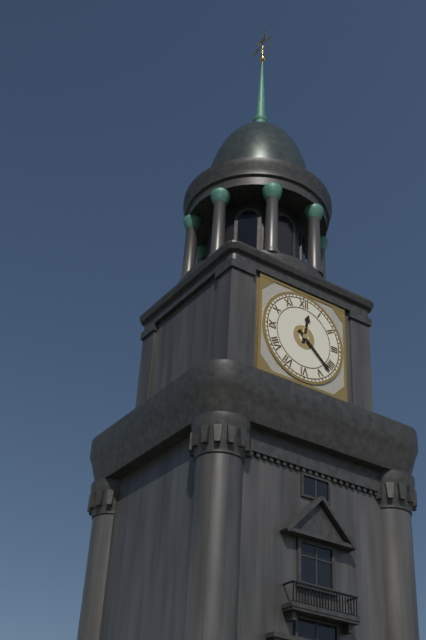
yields h=12 m=22
